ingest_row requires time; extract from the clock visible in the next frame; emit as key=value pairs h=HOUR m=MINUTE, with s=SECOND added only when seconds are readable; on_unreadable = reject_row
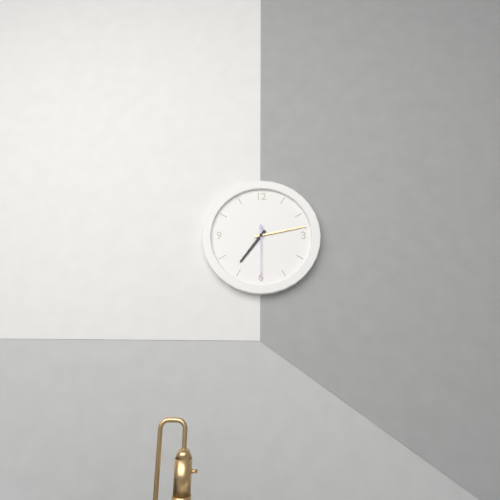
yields h=7 m=13 s=30
